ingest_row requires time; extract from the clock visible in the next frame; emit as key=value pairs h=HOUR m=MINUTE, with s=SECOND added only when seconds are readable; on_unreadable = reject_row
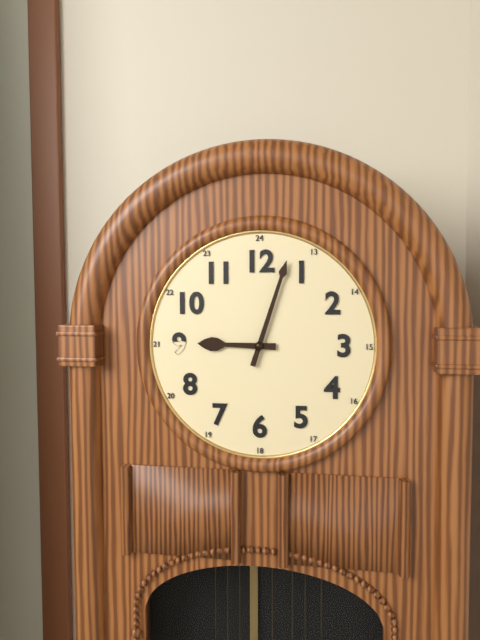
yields h=9 m=3
